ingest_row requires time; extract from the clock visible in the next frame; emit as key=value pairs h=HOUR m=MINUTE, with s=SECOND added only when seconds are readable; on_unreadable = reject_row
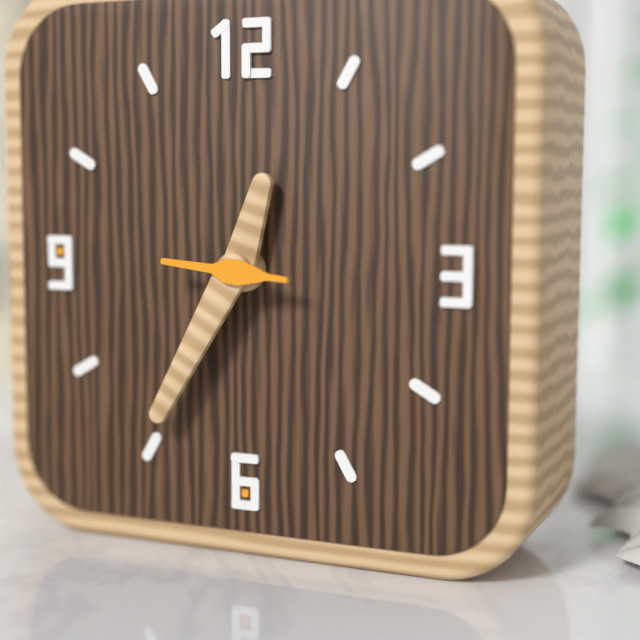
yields h=12 m=35 s=46
